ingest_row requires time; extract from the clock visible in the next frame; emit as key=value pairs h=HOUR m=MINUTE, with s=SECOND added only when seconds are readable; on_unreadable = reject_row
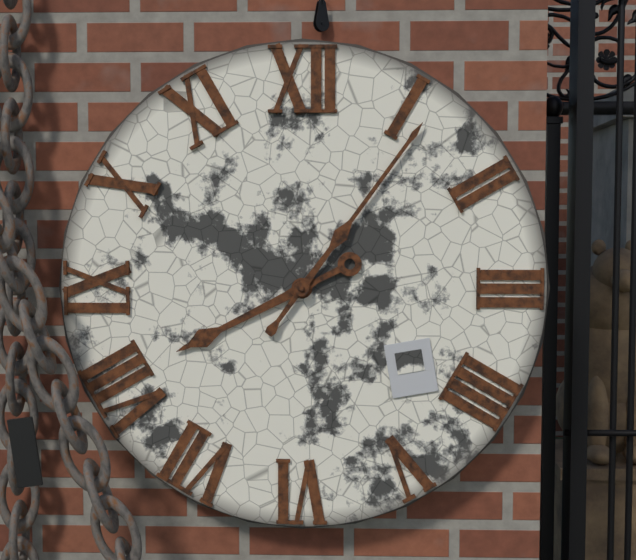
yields h=8 m=6
